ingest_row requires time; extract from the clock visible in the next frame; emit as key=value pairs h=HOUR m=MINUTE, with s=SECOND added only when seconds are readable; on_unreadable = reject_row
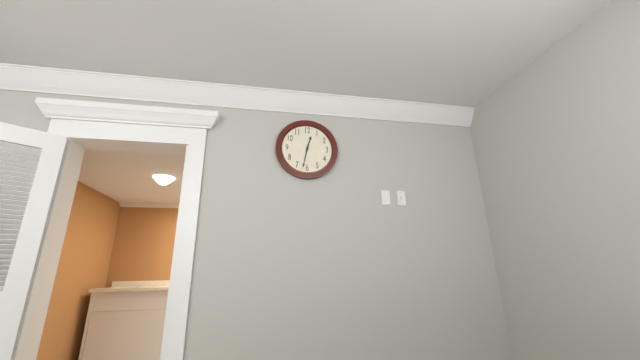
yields h=12 m=32
